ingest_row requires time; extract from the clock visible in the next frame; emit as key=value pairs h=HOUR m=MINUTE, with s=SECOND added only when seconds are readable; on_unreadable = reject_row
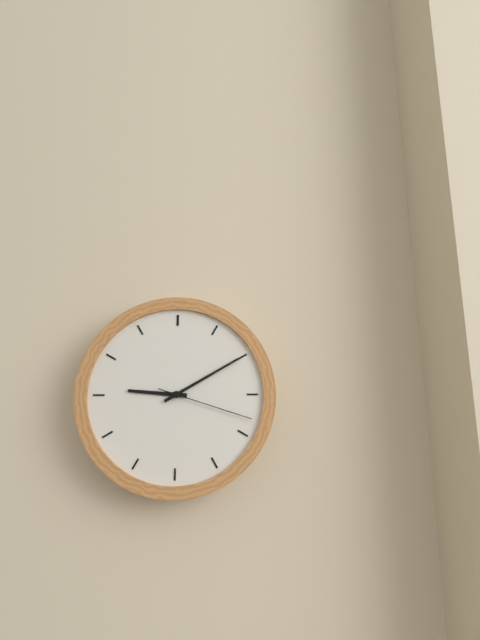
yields h=9 m=10 s=18
